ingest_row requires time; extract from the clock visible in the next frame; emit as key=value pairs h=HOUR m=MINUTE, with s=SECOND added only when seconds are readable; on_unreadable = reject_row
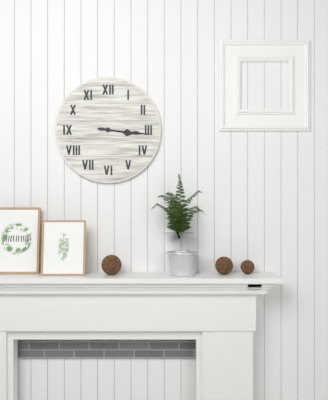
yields h=3 m=16
